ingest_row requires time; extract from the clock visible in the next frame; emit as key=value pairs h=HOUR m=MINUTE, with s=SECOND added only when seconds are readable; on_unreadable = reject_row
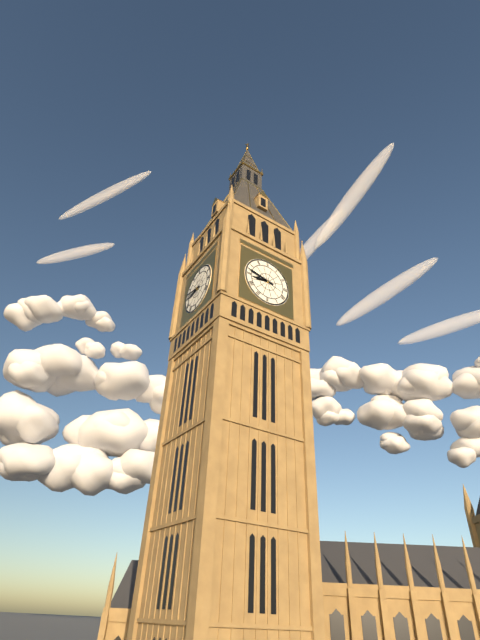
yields h=8 m=47
